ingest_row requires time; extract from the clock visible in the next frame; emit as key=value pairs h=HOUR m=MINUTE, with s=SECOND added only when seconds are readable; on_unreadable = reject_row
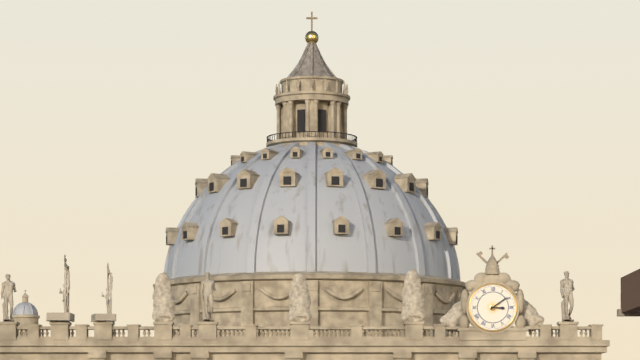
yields h=3 m=9
